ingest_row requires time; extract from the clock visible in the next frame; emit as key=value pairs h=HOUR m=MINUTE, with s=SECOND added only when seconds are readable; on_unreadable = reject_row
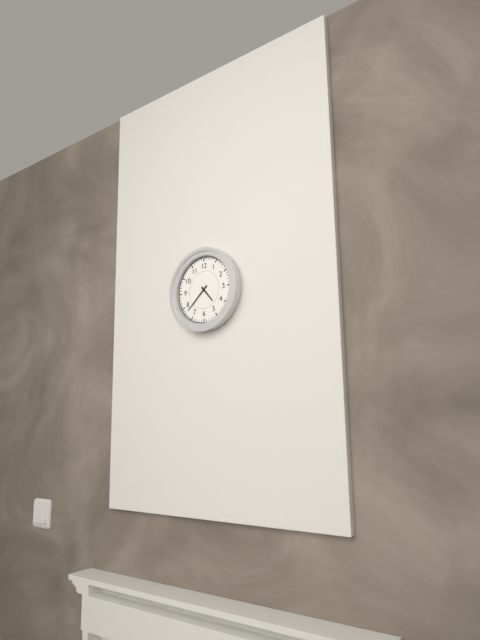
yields h=4 m=38
